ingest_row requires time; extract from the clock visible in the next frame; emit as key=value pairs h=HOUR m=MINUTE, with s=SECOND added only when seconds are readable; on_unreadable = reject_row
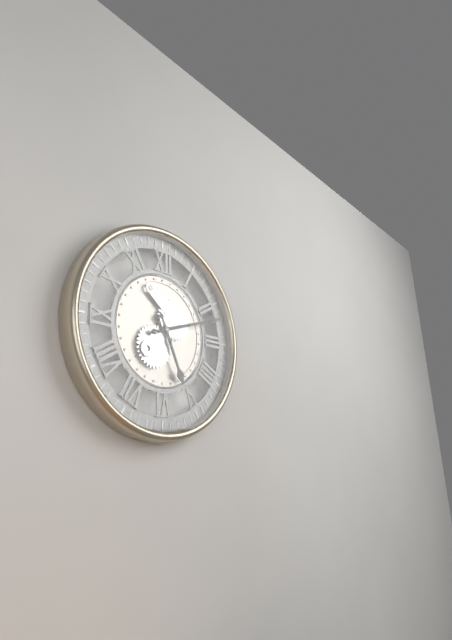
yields h=5 m=12
